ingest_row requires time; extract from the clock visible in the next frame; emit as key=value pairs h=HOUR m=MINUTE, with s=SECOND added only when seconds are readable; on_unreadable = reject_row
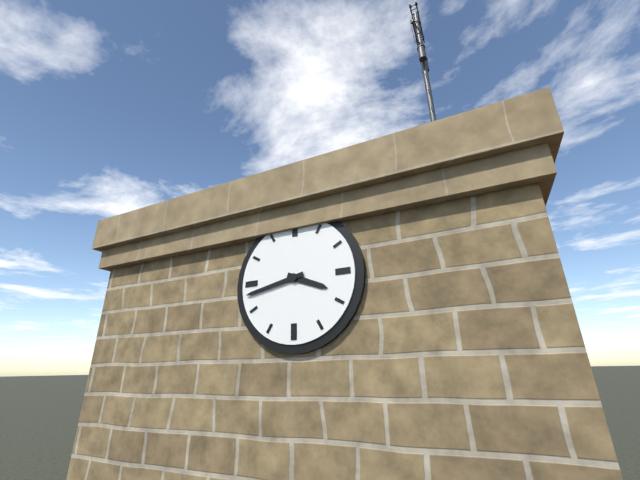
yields h=3 m=43
